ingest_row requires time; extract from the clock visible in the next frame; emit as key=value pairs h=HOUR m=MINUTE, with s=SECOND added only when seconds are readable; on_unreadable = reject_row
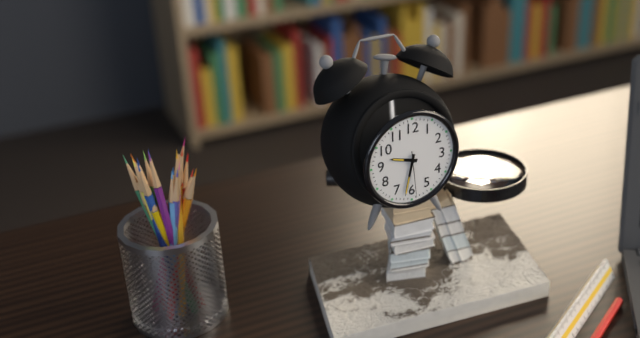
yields h=9 m=32
